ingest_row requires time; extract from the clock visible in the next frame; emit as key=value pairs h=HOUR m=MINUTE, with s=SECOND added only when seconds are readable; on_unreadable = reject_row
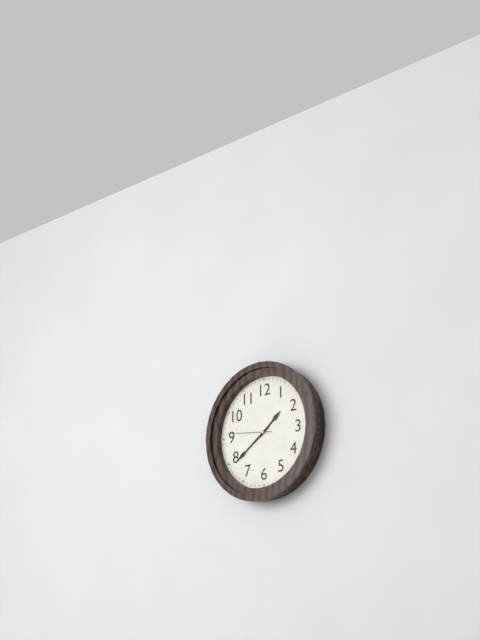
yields h=1 m=39
